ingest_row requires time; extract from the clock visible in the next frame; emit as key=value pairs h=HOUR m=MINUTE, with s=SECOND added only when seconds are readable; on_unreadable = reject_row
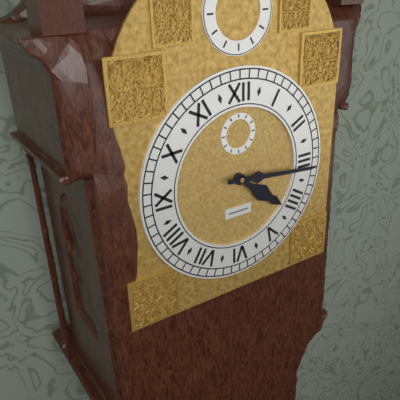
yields h=4 m=16
